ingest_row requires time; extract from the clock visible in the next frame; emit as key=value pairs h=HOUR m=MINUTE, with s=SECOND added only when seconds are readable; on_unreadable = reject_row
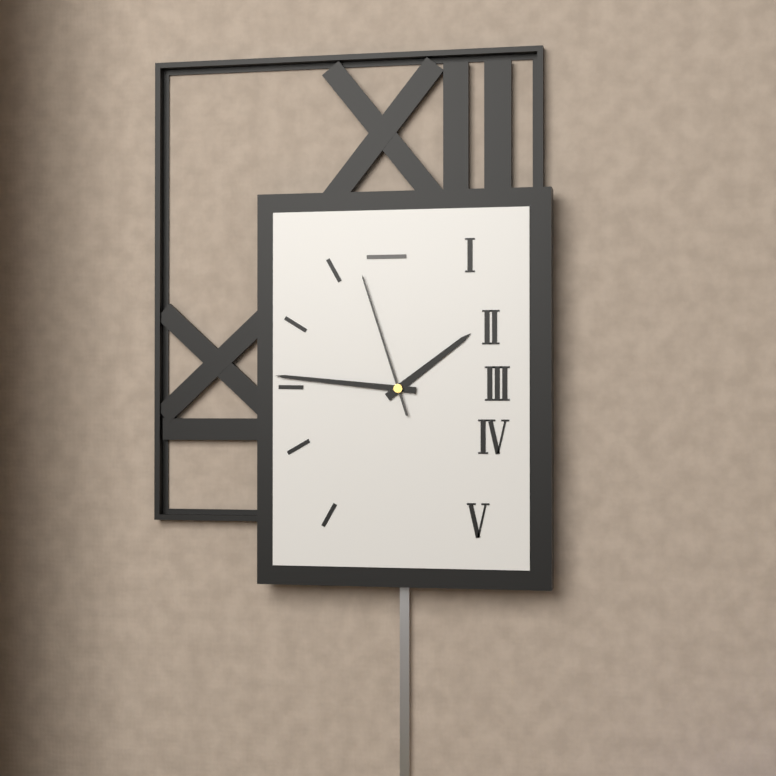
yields h=1 m=46 s=57
